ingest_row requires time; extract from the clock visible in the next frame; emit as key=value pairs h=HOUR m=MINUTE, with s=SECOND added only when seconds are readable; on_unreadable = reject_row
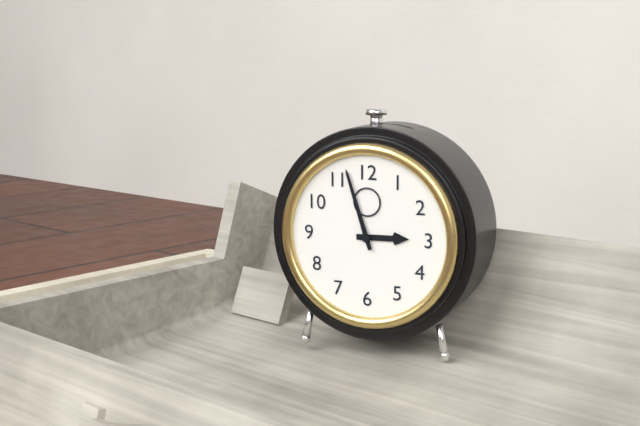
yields h=2 m=57
